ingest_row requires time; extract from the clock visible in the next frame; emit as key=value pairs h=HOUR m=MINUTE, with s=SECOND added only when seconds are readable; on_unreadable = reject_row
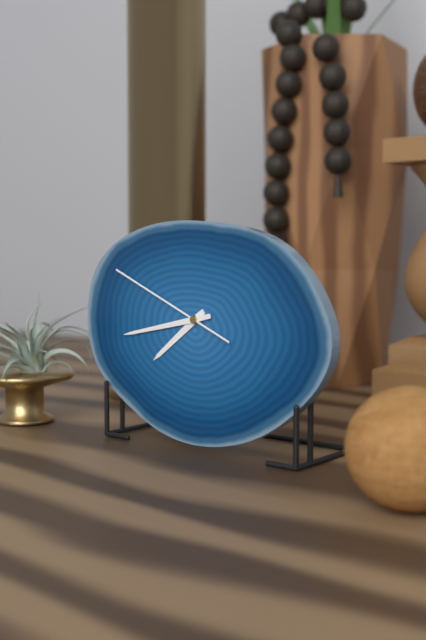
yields h=7 m=43 s=49
